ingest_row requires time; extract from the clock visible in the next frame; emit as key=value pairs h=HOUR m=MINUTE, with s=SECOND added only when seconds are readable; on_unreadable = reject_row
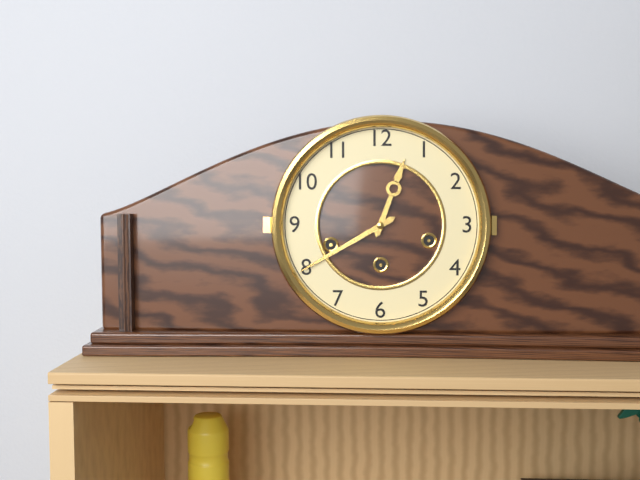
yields h=12 m=40
